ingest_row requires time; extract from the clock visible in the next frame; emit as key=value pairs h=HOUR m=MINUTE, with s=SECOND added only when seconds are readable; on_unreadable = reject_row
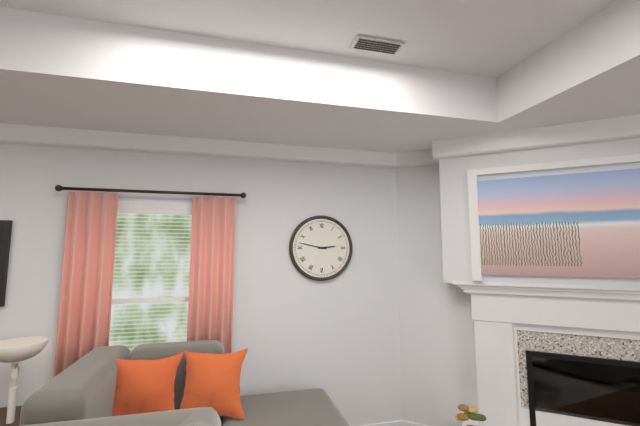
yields h=2 m=47
